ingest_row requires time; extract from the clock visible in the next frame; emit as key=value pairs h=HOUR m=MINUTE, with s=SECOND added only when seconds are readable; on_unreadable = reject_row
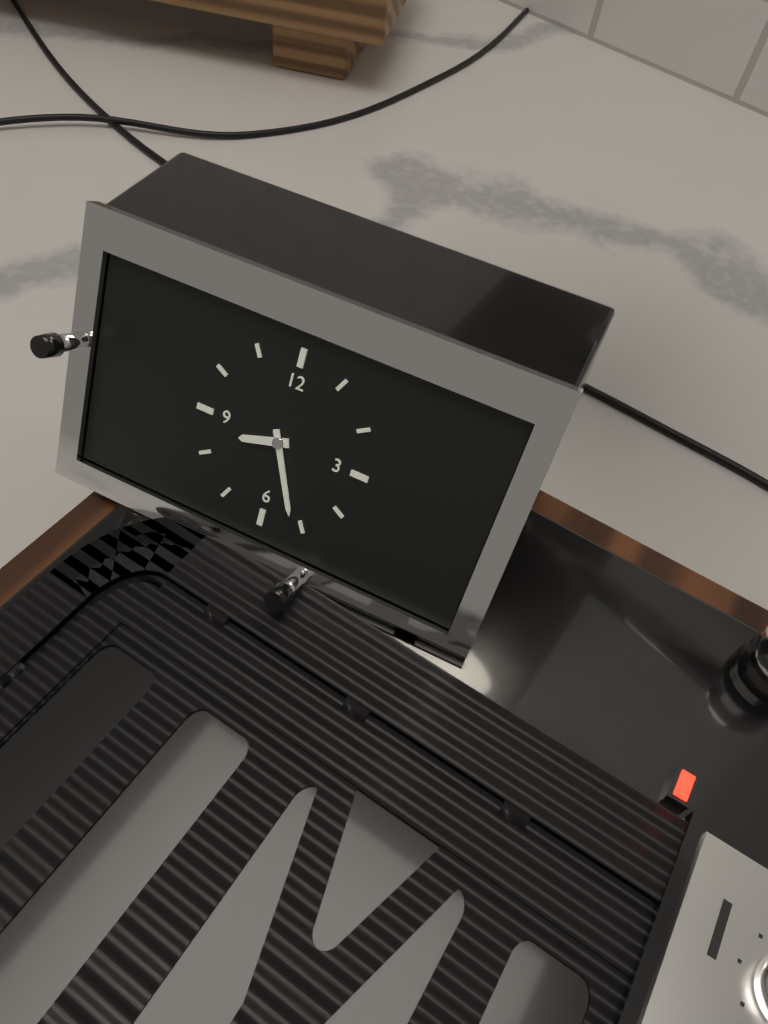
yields h=8 m=26
